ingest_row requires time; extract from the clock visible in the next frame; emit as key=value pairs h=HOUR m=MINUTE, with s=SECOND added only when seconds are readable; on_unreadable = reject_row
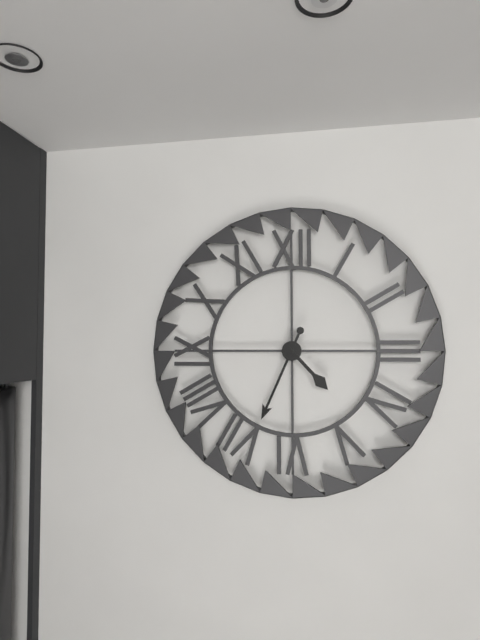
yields h=4 m=34
